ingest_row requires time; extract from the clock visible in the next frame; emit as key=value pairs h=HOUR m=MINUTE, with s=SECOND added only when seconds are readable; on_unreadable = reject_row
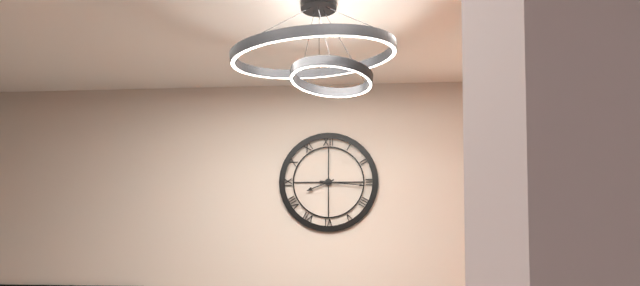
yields h=8 m=16
